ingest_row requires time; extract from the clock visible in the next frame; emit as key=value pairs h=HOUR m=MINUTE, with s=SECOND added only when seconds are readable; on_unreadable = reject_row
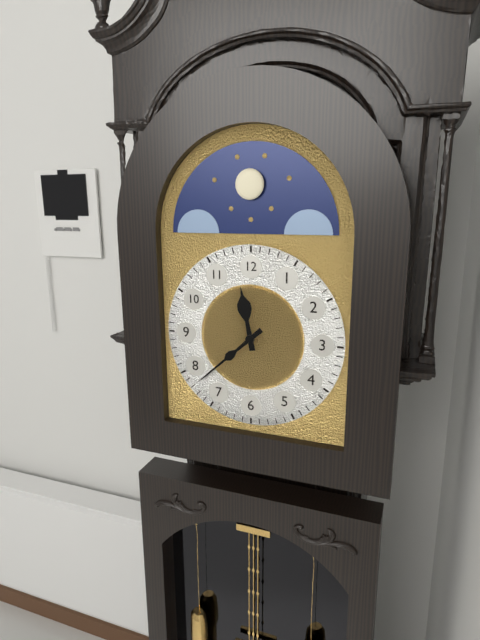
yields h=11 m=38
